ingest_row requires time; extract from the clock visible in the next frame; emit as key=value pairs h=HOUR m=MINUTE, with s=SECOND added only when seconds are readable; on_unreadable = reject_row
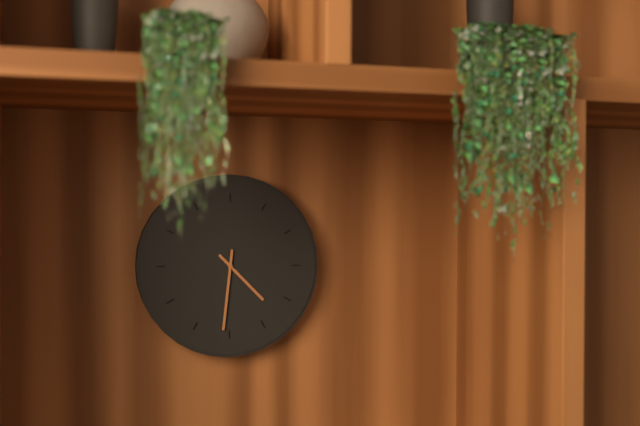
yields h=4 m=31
